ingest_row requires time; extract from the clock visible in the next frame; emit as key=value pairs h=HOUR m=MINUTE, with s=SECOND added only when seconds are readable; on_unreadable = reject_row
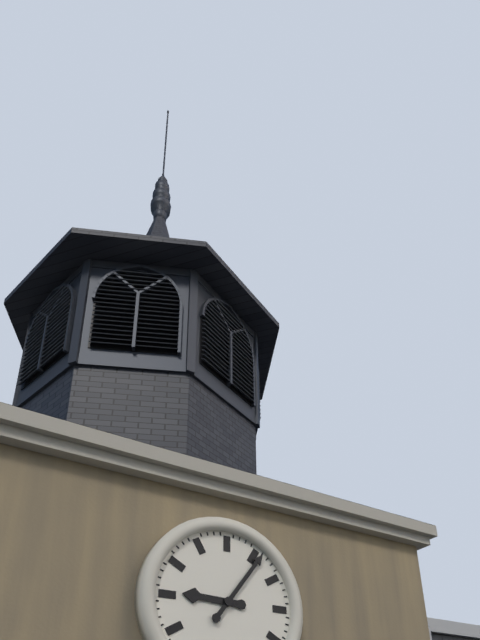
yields h=9 m=6
